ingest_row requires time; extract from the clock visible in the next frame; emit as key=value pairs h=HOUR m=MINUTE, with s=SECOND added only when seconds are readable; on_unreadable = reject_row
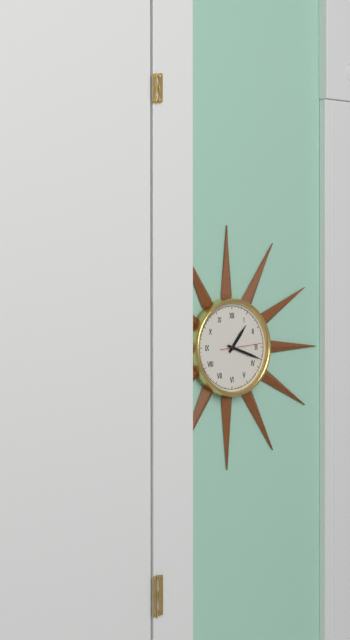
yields h=1 m=18
